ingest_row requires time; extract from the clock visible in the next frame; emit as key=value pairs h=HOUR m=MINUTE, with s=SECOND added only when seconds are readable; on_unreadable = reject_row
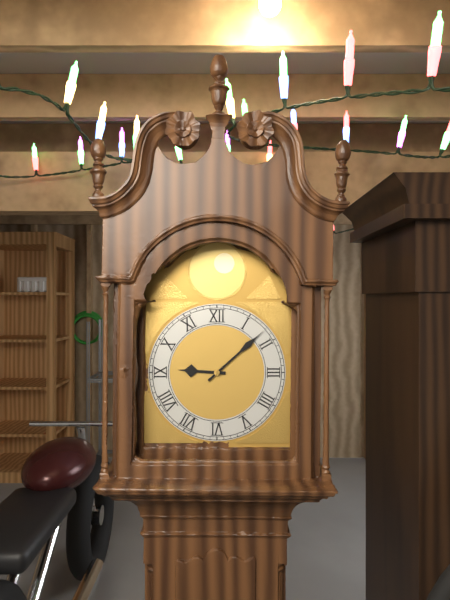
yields h=9 m=8
